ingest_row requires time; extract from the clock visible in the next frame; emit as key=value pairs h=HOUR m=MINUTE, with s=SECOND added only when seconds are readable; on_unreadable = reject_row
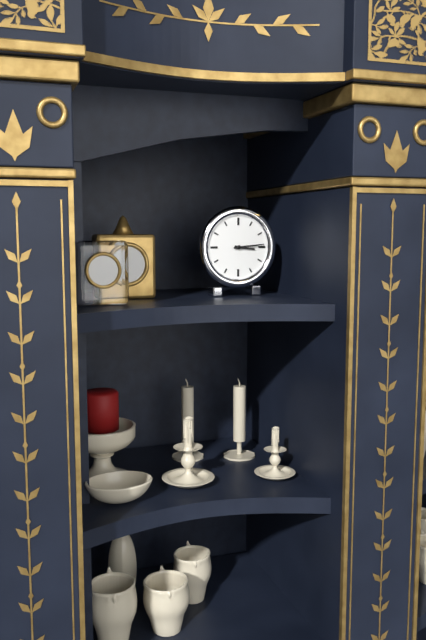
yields h=3 m=14
